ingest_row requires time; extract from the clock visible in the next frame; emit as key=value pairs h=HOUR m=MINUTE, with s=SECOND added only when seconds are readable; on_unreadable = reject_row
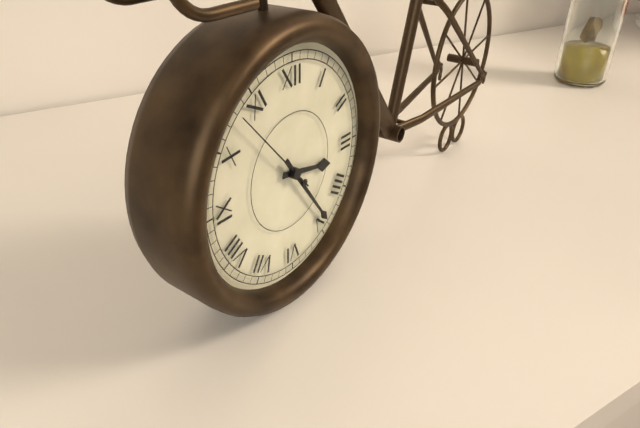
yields h=3 m=24 s=53
